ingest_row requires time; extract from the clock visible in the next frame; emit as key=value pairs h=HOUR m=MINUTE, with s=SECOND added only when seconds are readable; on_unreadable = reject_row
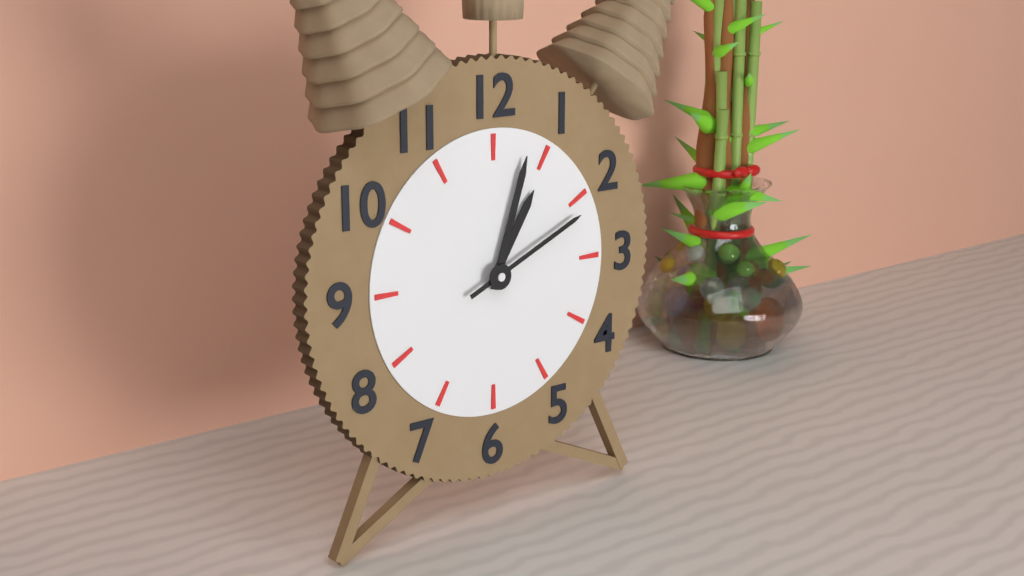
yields h=1 m=3 s=11
